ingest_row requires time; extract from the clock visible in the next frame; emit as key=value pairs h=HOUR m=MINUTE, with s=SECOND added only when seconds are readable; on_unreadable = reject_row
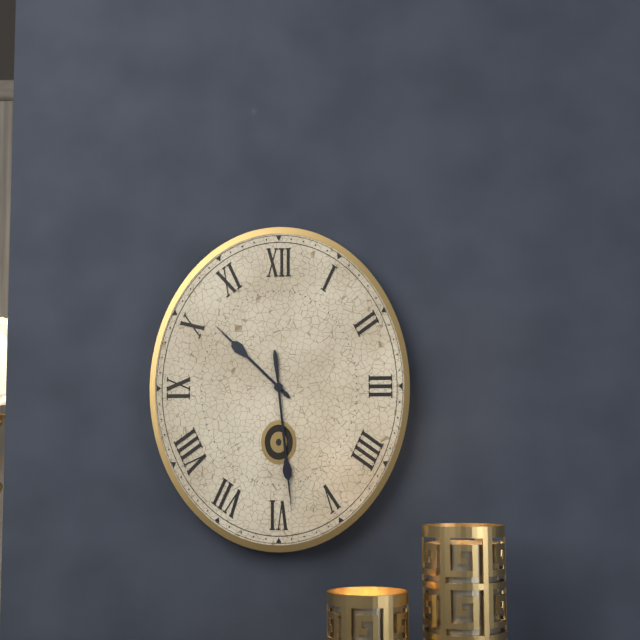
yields h=10 m=29
